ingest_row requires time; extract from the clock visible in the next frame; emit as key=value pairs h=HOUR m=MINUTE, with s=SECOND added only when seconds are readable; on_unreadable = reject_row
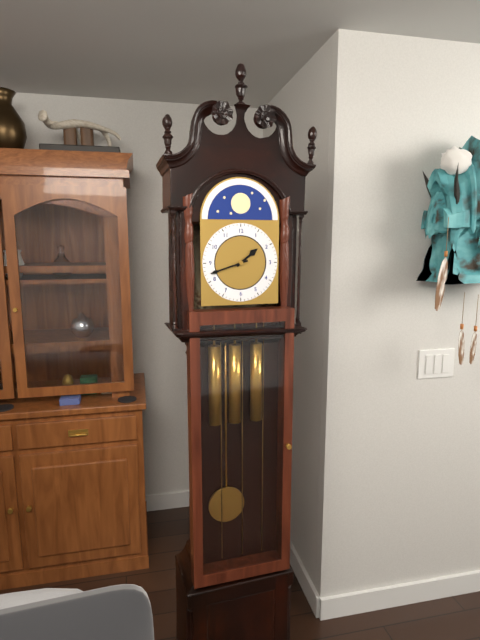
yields h=1 m=42
